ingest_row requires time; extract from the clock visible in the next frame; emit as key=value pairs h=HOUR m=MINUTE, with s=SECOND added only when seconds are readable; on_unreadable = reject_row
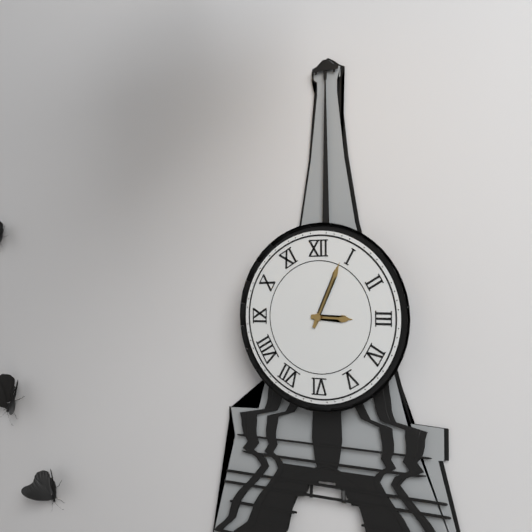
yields h=3 m=4
